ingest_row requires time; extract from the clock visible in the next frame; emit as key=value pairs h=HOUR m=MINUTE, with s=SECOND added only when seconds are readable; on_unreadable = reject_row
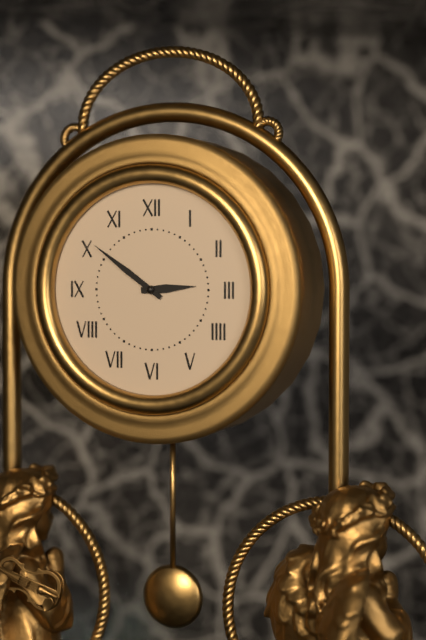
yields h=2 m=51
